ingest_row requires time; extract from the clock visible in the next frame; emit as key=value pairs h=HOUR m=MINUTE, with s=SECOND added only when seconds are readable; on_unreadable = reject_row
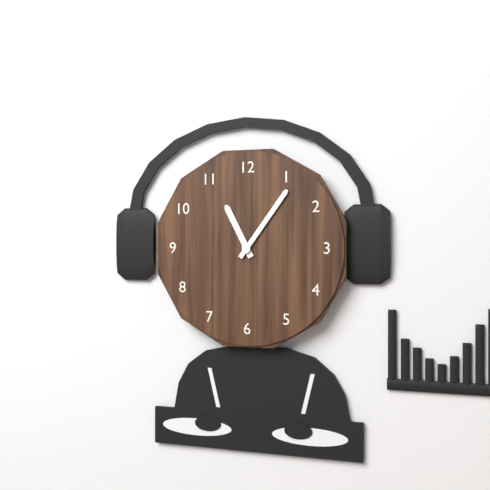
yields h=11 m=6
